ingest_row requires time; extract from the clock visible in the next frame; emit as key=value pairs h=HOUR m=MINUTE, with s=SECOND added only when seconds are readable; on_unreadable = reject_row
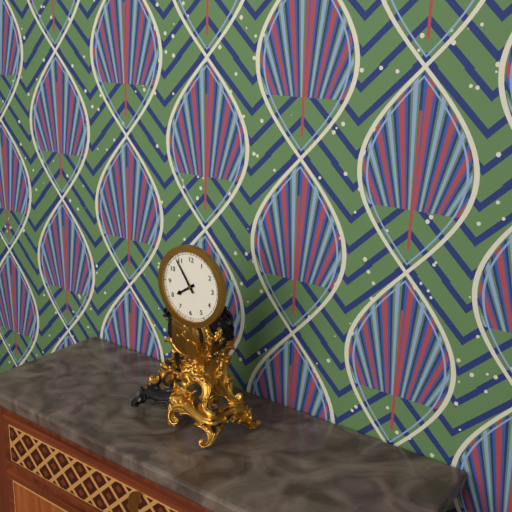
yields h=7 m=54
